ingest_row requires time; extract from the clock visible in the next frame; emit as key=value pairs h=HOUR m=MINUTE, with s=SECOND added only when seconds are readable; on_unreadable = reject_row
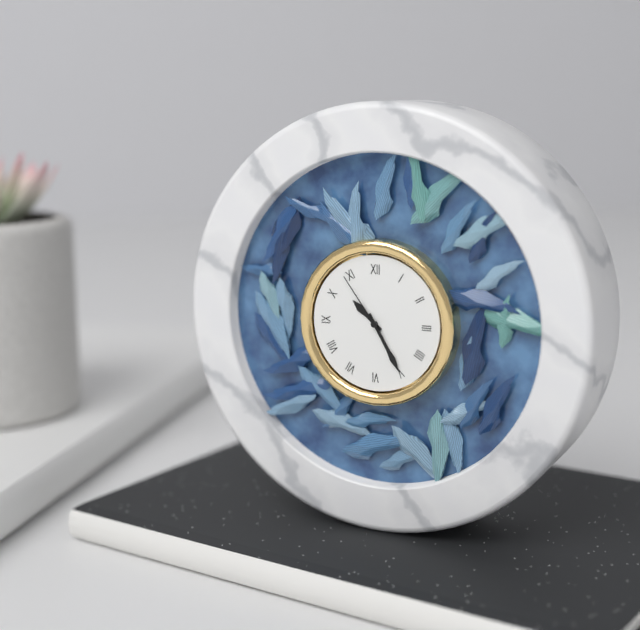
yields h=10 m=25 s=54
